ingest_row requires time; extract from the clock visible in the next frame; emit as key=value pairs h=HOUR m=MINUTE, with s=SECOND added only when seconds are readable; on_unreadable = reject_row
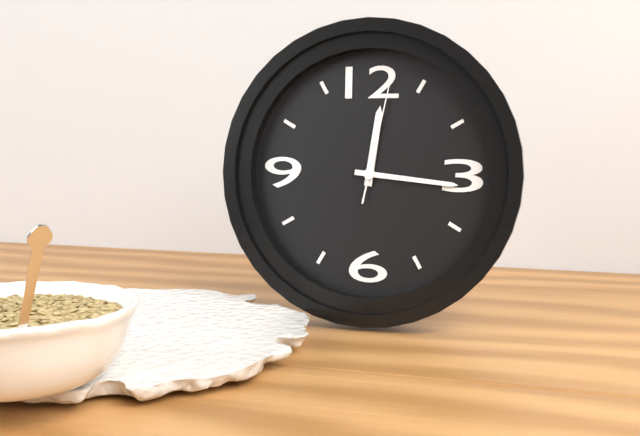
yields h=12 m=16 s=2
